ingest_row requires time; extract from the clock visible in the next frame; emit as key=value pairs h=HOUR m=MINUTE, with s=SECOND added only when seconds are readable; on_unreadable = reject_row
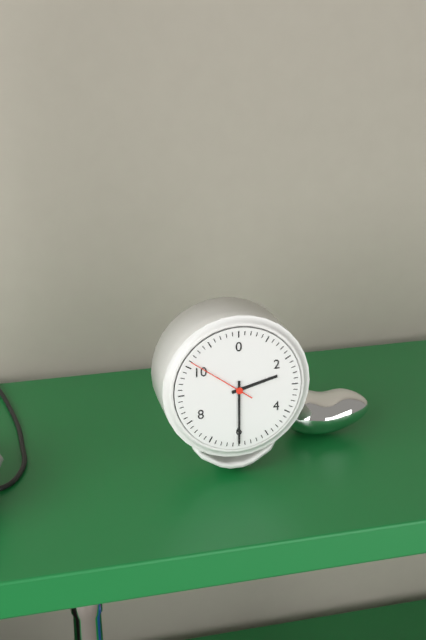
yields h=2 m=30 s=51
